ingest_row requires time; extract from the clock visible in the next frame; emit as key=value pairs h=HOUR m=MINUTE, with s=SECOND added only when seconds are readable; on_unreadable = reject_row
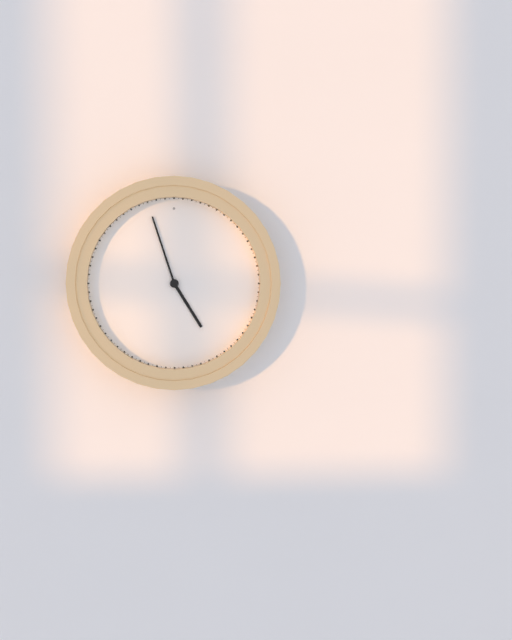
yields h=4 m=57
